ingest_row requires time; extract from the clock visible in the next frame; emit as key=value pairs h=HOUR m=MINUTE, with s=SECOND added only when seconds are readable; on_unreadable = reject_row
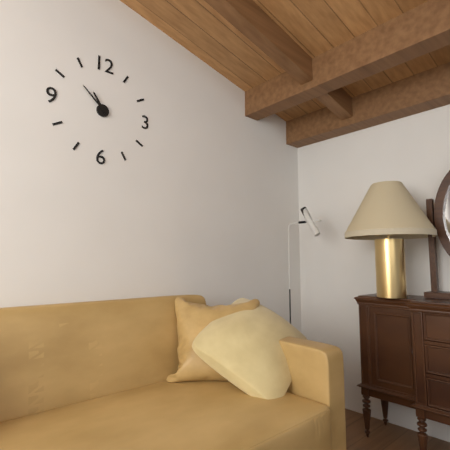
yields h=10 m=52
